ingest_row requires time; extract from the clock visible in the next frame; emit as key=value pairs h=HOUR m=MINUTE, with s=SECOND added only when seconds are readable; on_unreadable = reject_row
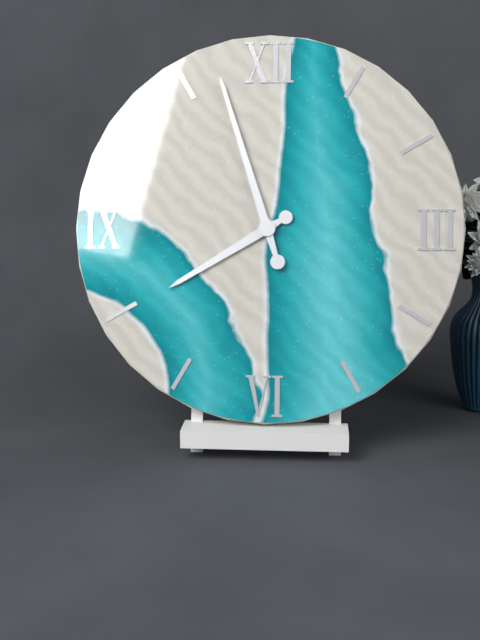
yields h=7 m=57
